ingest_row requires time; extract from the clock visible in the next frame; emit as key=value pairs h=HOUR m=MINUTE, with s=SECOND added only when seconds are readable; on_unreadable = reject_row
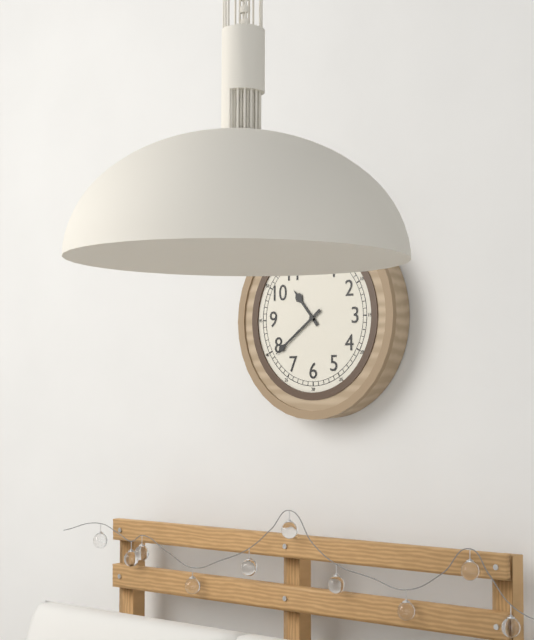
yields h=10 m=39
